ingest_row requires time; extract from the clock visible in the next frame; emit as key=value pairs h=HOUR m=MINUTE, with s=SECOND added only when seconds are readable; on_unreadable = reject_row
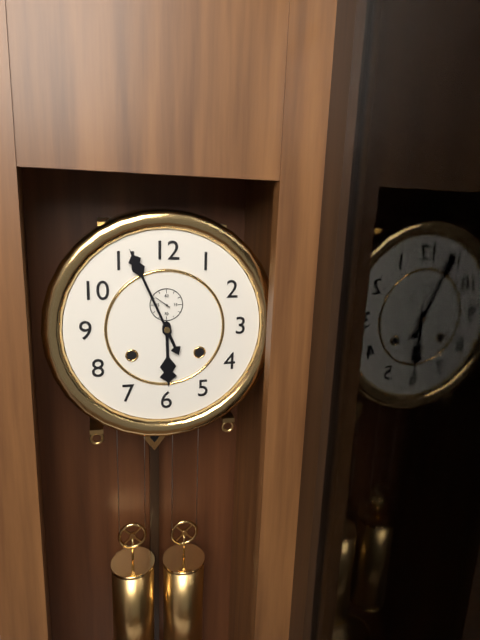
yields h=5 m=56
